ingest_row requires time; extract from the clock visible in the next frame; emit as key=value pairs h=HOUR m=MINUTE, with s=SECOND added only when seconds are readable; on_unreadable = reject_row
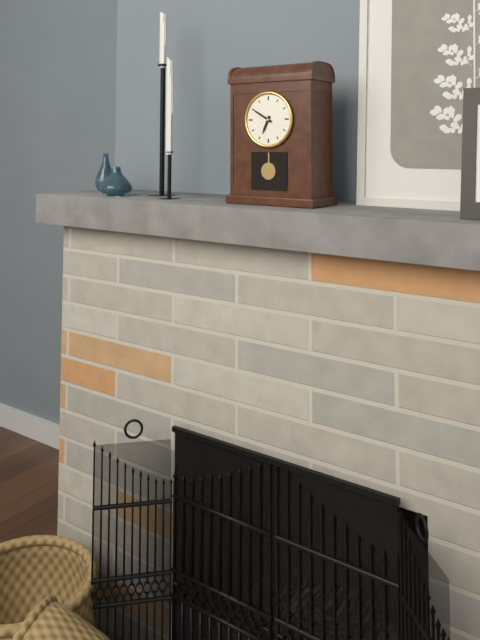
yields h=6 m=50
